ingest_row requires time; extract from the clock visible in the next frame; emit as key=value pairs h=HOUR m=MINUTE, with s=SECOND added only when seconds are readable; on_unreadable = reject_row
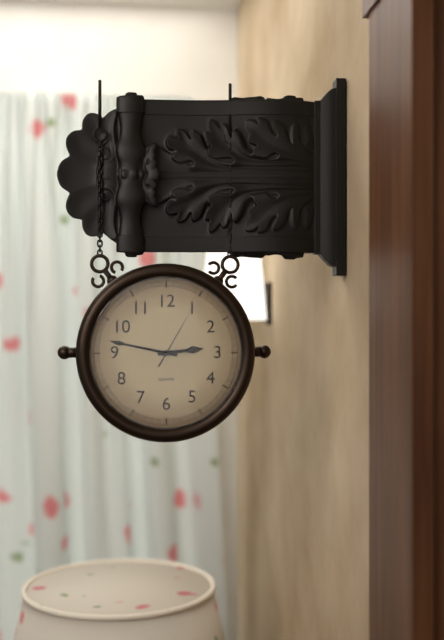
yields h=2 m=47 s=5
